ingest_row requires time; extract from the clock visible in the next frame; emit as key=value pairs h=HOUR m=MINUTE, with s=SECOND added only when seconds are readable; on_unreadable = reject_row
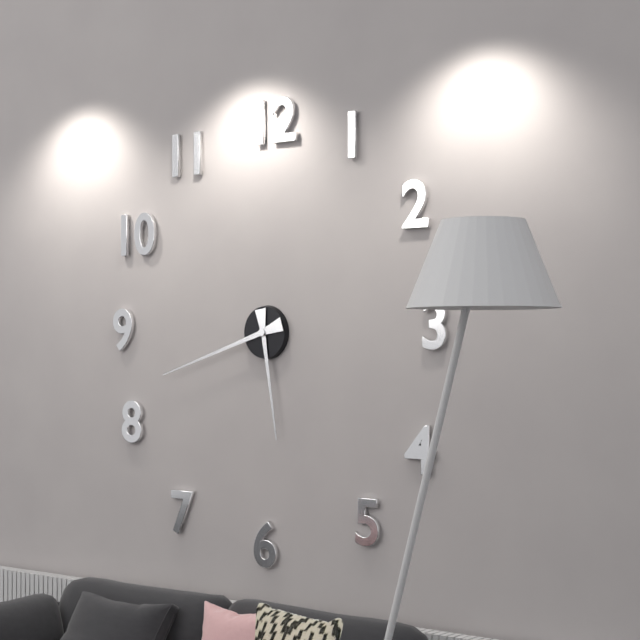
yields h=5 m=42
